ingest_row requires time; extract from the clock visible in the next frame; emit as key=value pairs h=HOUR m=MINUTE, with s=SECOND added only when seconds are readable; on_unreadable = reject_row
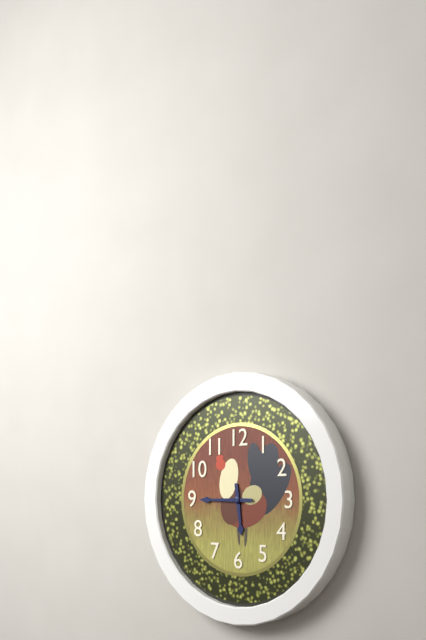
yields h=5 m=45
